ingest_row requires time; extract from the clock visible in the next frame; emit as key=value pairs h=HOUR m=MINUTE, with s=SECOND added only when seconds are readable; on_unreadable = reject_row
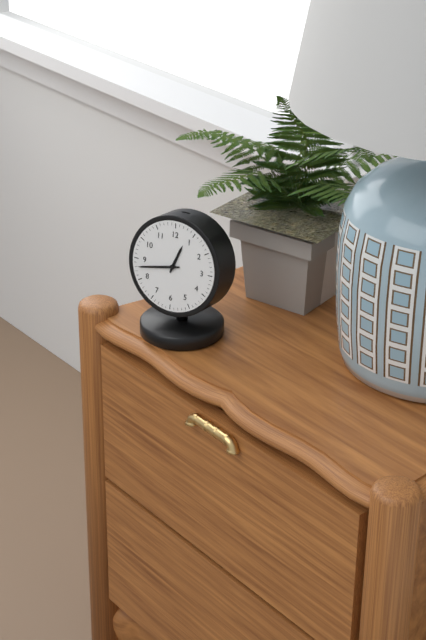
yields h=12 m=43
